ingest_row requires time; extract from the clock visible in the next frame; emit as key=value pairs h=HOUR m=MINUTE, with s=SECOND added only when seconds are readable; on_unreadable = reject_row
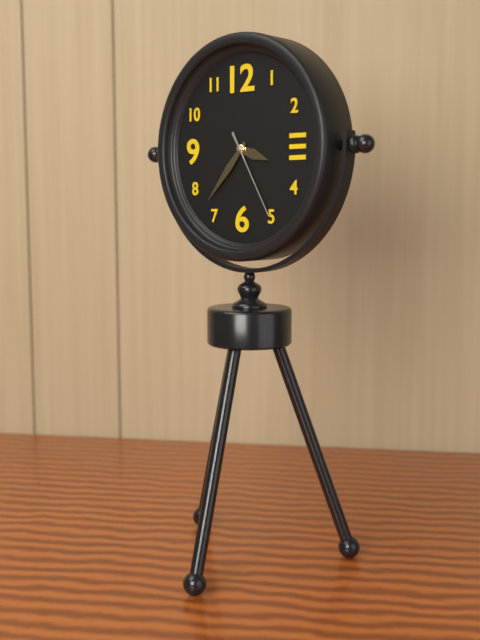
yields h=3 m=37 s=25
